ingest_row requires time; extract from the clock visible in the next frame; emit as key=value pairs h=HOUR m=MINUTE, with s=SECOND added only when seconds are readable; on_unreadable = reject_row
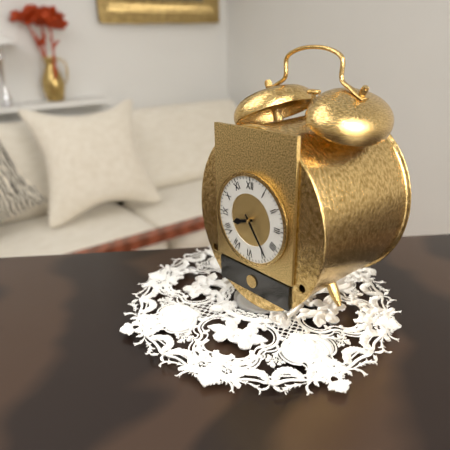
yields h=8 m=24
